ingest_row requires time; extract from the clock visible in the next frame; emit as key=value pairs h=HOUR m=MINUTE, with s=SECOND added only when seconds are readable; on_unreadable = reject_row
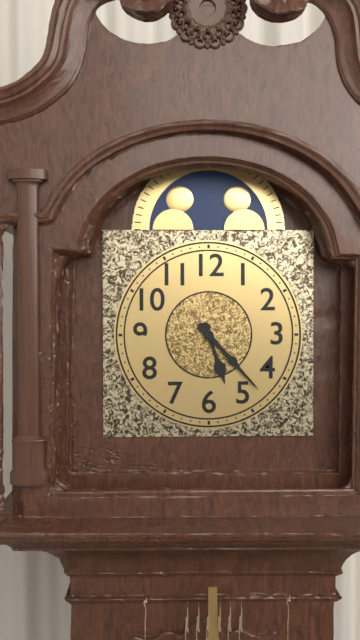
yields h=5 m=23
